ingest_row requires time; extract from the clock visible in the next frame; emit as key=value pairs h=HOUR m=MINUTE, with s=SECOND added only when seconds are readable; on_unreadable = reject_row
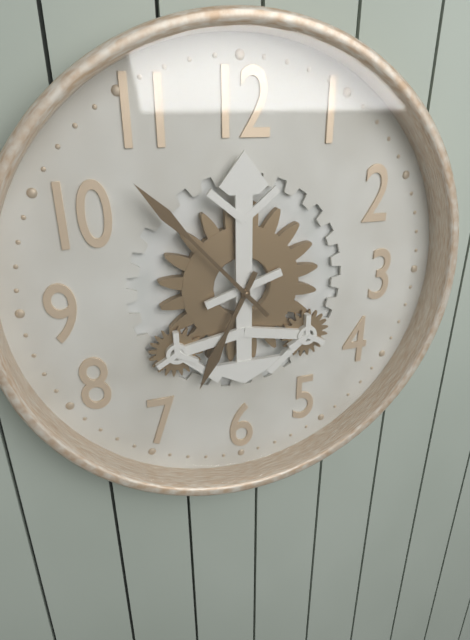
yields h=6 m=53
